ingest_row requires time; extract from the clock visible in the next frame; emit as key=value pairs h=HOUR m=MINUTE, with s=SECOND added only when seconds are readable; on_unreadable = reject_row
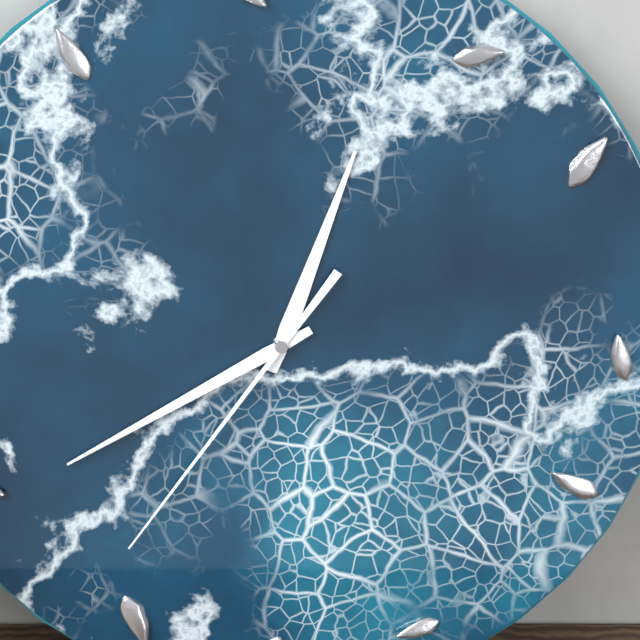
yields h=12 m=40 s=36
